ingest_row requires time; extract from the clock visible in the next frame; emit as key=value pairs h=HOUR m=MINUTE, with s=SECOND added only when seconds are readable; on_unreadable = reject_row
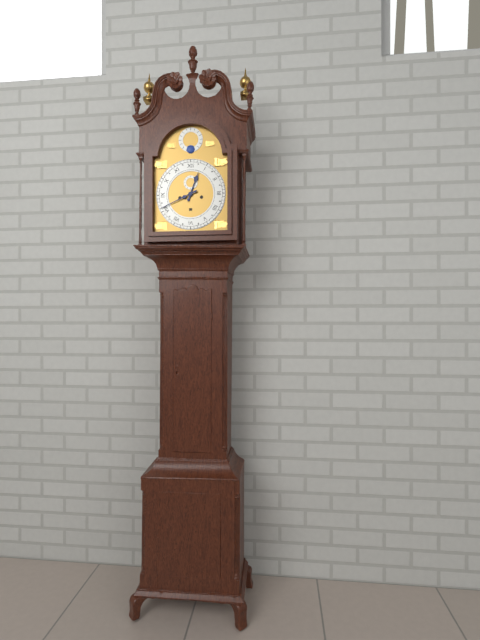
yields h=12 m=41
